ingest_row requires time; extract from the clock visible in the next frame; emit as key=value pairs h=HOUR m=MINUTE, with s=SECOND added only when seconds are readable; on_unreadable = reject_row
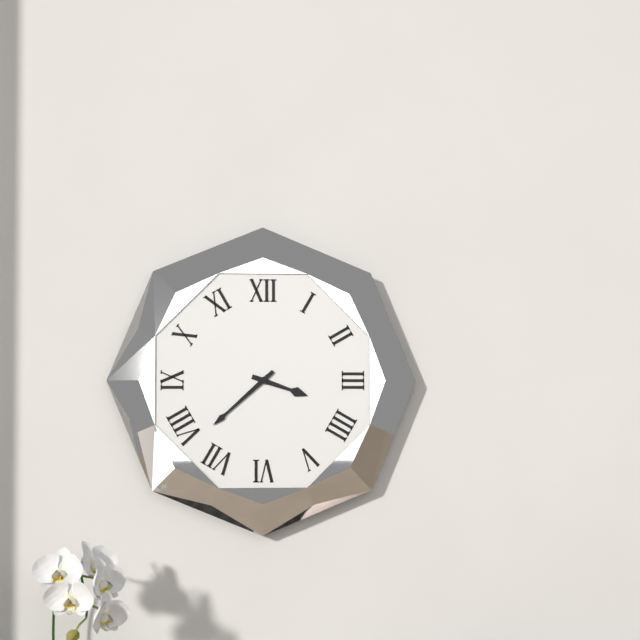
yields h=3 m=38
